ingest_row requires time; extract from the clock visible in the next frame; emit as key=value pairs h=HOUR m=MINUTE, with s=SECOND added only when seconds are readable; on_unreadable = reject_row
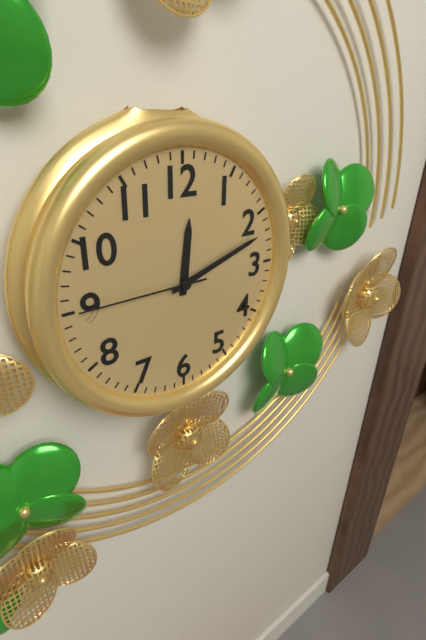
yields h=12 m=12 s=45
